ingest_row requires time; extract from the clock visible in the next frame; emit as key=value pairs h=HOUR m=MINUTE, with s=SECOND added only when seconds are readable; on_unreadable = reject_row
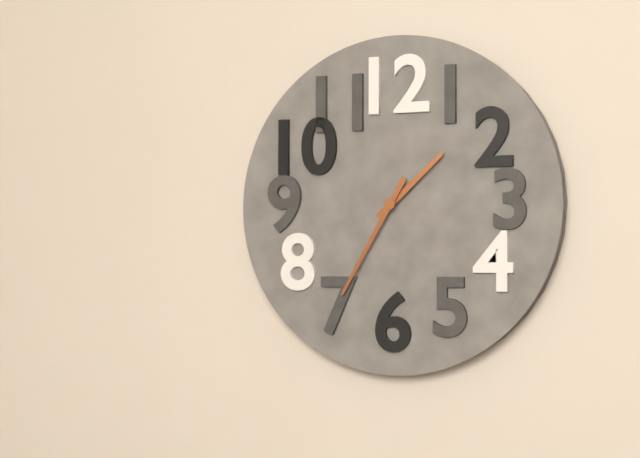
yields h=1 m=35
